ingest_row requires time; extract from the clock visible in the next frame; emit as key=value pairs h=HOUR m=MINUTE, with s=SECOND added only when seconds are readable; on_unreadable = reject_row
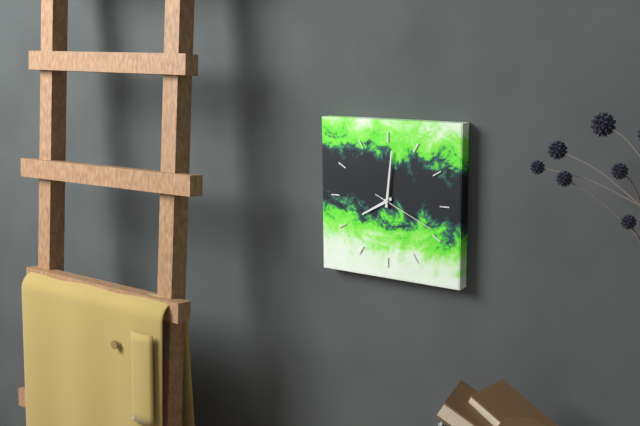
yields h=8 m=1 s=19
